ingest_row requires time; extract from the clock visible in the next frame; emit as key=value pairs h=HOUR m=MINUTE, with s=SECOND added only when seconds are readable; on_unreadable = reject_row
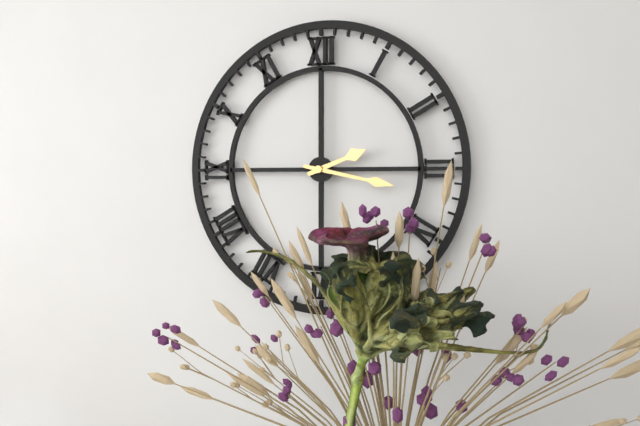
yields h=2 m=17
